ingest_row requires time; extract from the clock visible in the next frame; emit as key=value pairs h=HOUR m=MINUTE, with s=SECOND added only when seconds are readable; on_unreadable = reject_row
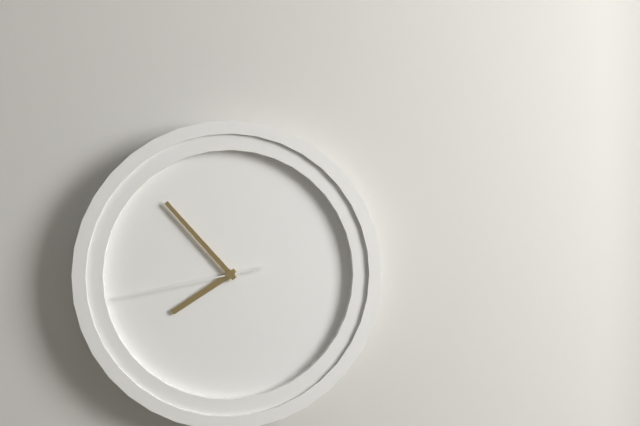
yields h=7 m=53 s=43
